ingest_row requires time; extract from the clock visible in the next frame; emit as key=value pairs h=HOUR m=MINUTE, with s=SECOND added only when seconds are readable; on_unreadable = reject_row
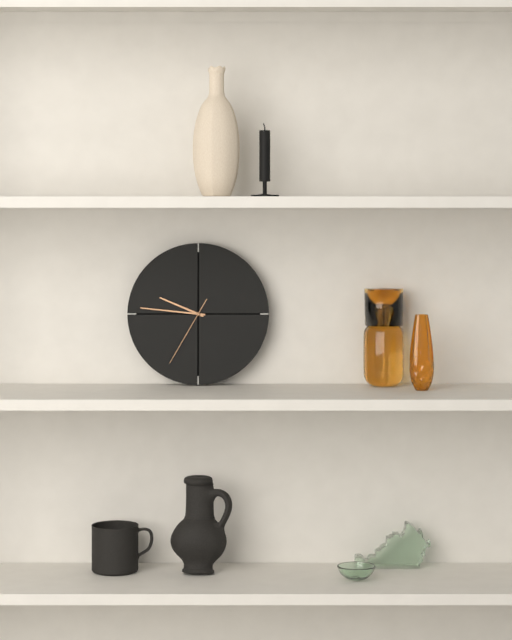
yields h=9 m=46 s=35
